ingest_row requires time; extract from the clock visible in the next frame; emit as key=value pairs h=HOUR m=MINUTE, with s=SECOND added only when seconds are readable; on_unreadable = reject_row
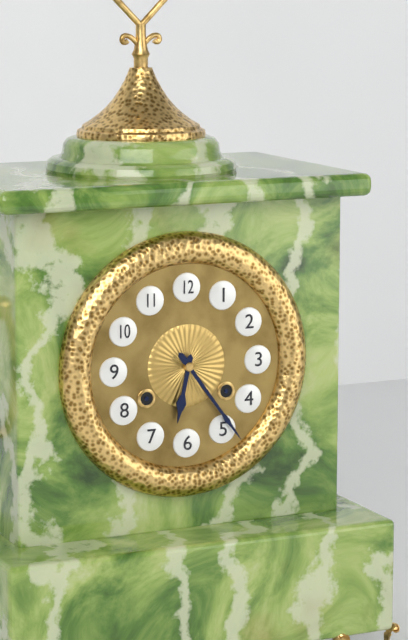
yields h=6 m=24
